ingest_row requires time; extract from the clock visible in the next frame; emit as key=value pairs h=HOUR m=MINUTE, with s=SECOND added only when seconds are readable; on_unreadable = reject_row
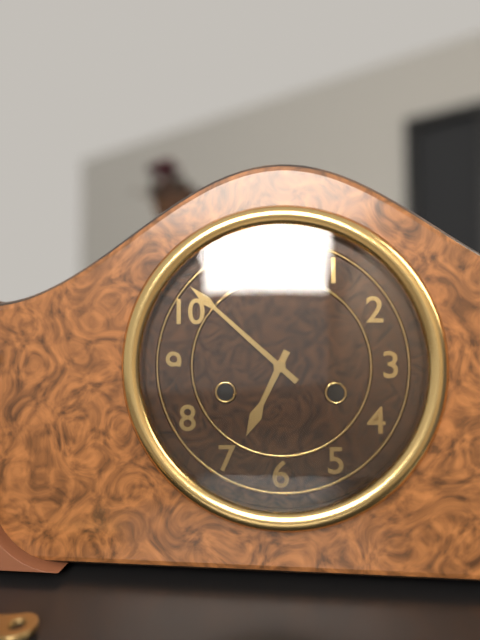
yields h=6 m=52
